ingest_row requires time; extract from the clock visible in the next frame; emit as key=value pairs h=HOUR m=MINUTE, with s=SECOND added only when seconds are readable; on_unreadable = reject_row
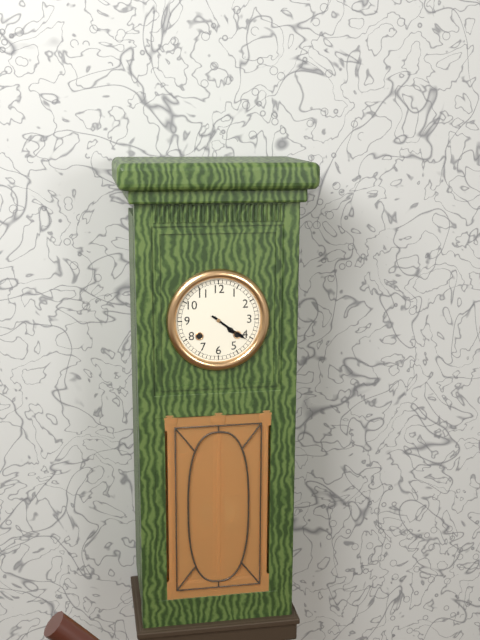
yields h=4 m=21
